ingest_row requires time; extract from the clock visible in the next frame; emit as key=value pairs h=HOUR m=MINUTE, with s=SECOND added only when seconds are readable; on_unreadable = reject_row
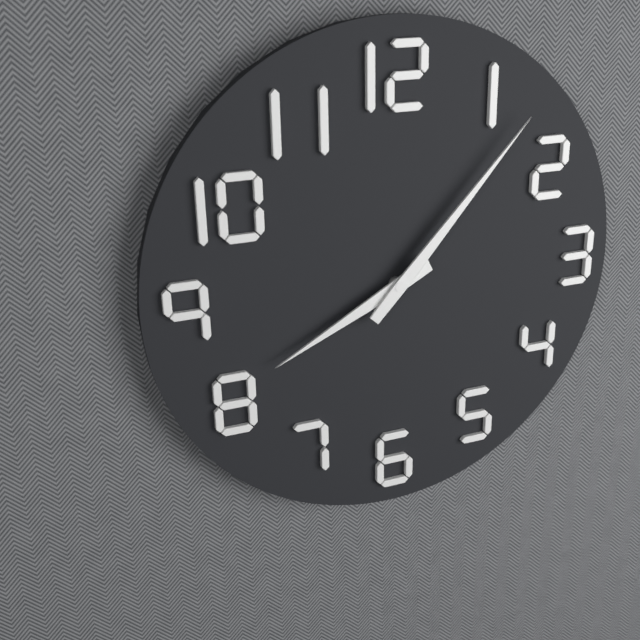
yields h=8 m=7
